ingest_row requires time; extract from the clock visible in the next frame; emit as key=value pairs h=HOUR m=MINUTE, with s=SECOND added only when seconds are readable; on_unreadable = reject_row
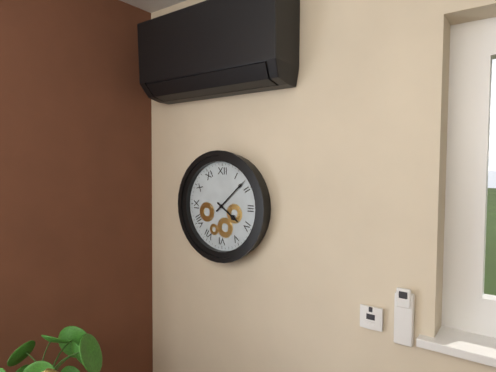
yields h=4 m=8
